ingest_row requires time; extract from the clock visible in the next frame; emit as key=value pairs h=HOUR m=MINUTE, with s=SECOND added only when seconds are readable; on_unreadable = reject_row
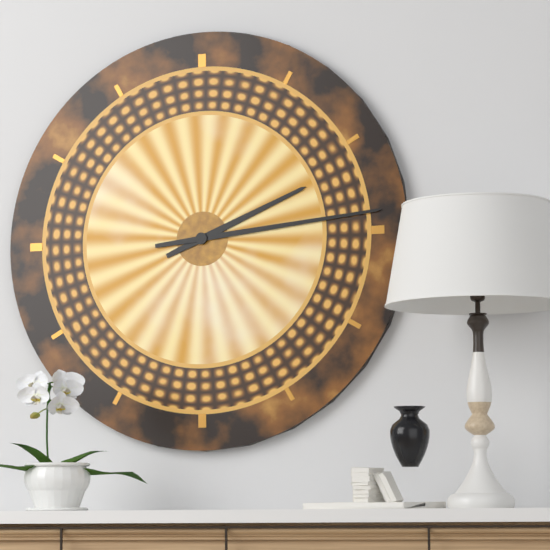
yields h=2 m=14
